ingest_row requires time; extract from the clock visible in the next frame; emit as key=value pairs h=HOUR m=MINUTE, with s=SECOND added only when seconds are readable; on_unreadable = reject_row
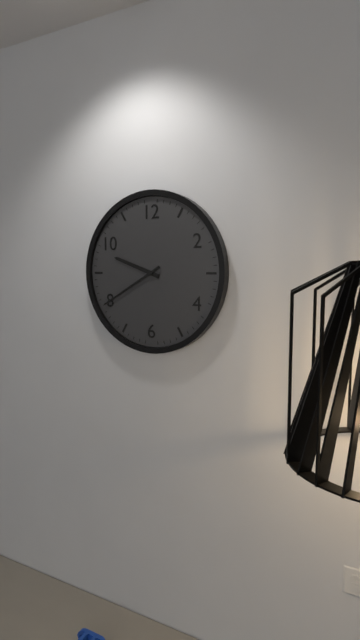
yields h=9 m=40
